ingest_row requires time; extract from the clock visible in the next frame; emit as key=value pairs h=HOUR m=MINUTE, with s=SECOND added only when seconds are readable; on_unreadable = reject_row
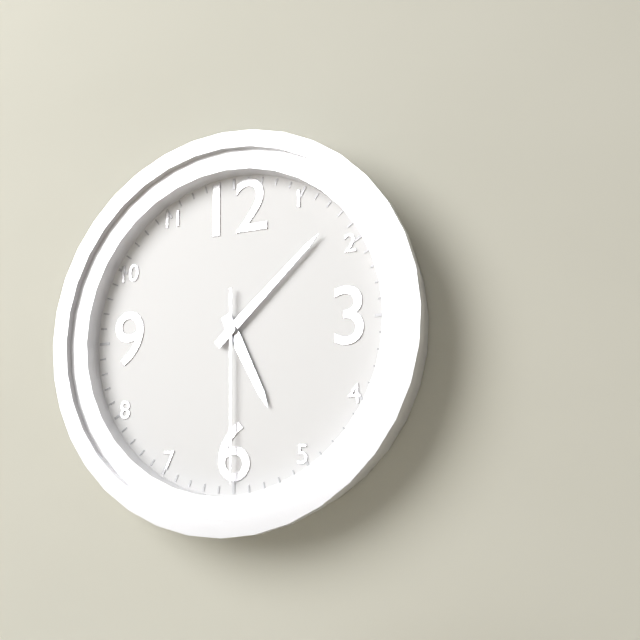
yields h=5 m=8 s=30
